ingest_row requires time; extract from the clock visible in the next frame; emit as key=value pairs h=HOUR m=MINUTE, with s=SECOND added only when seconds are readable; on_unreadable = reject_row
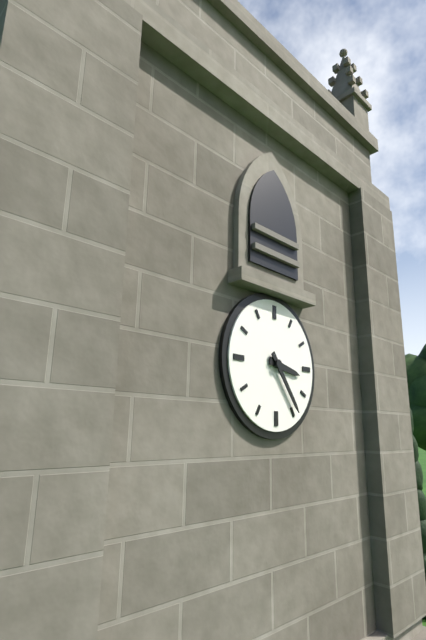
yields h=3 m=24
